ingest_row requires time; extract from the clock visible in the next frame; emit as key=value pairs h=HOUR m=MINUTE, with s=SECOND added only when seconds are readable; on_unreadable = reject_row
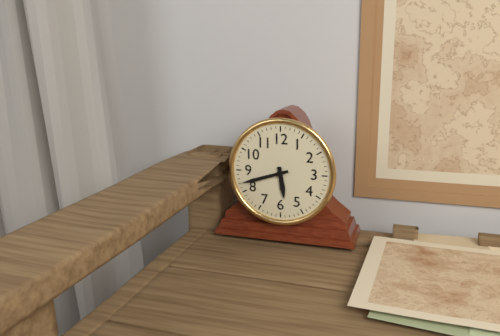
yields h=5 m=42
